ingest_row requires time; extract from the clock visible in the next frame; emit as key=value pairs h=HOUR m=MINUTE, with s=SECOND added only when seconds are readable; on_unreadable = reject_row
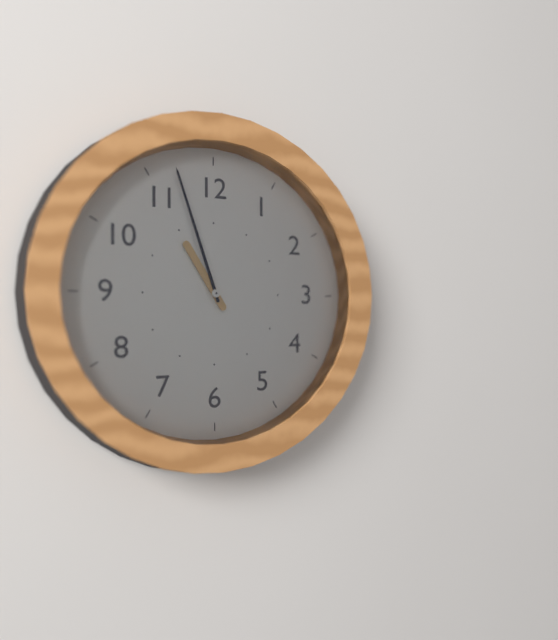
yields h=10 m=57
